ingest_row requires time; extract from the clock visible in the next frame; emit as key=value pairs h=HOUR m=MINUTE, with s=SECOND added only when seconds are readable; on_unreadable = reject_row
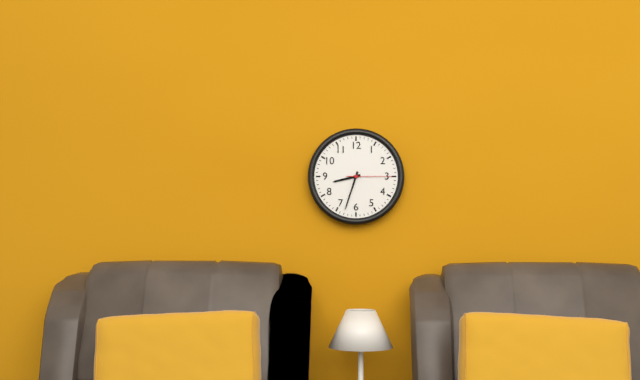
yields h=8 m=33
